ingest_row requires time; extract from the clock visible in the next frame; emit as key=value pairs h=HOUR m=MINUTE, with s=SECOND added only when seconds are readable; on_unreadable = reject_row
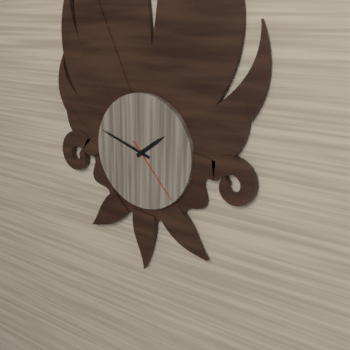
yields h=1 m=48 s=23
